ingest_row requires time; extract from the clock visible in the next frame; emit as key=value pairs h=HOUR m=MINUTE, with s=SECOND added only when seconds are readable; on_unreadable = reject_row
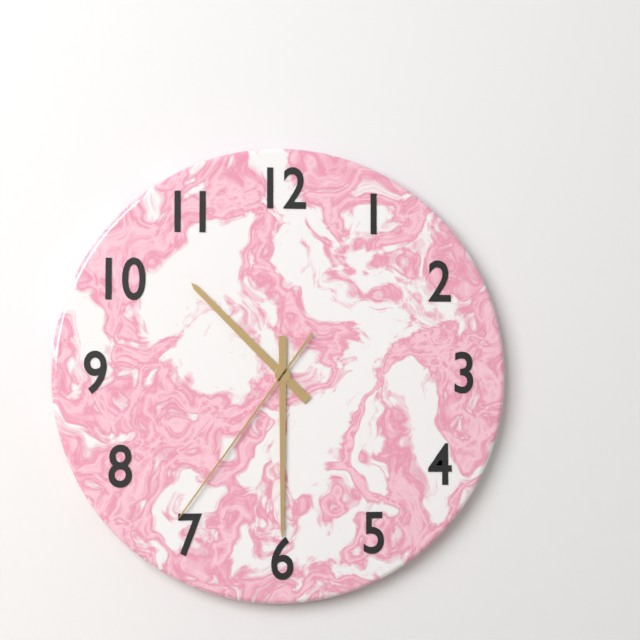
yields h=10 m=30 s=36
